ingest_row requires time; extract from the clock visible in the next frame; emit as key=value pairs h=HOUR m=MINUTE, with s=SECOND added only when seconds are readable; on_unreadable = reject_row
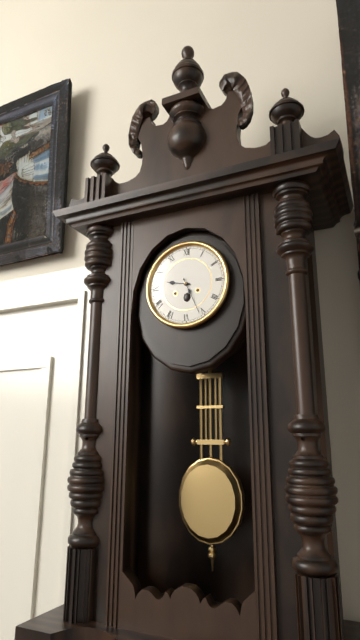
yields h=9 m=26
